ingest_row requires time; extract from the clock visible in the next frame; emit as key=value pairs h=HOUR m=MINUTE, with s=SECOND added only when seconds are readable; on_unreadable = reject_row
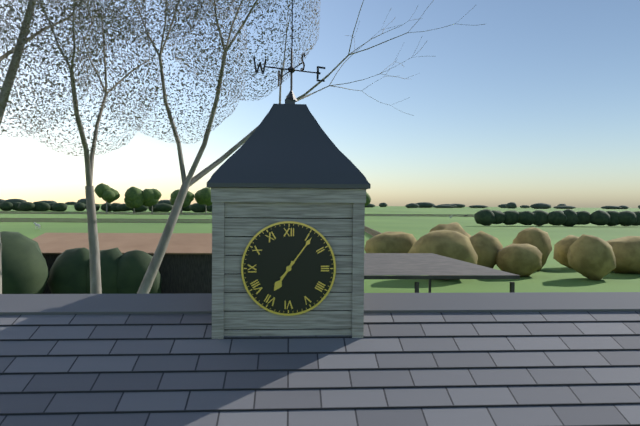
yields h=7 m=6
